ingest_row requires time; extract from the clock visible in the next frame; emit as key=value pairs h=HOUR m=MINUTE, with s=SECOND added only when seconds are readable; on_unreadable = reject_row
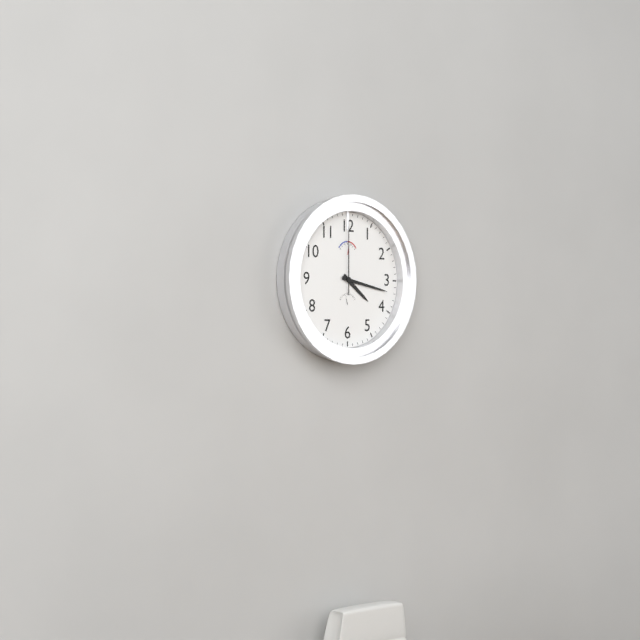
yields h=4 m=17 s=0
